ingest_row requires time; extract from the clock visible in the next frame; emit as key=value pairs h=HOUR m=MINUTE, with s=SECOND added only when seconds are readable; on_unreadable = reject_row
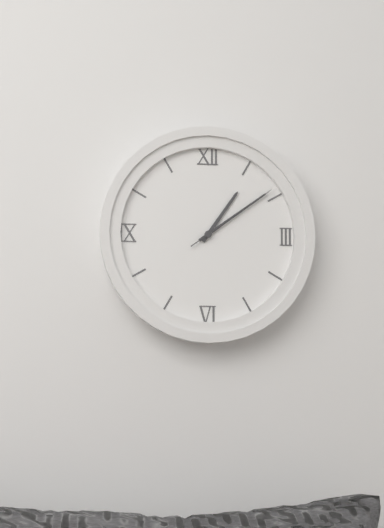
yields h=1 m=9 s=9
